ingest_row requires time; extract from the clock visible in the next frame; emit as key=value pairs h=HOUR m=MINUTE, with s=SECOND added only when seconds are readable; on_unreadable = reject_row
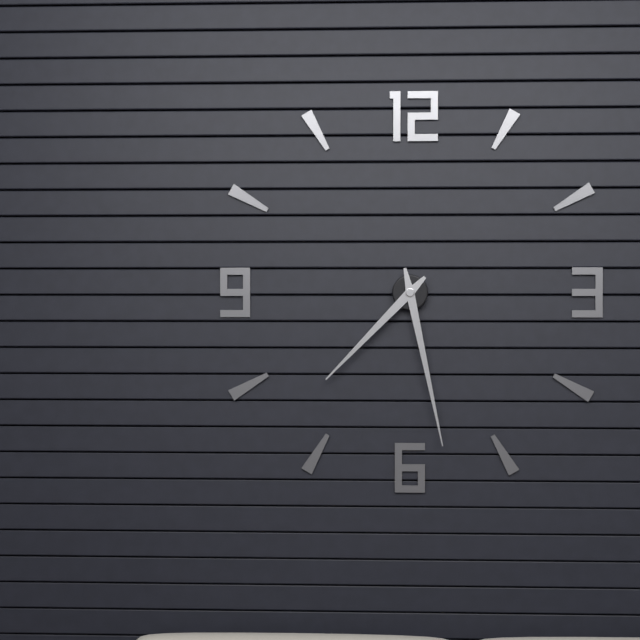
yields h=7 m=28
